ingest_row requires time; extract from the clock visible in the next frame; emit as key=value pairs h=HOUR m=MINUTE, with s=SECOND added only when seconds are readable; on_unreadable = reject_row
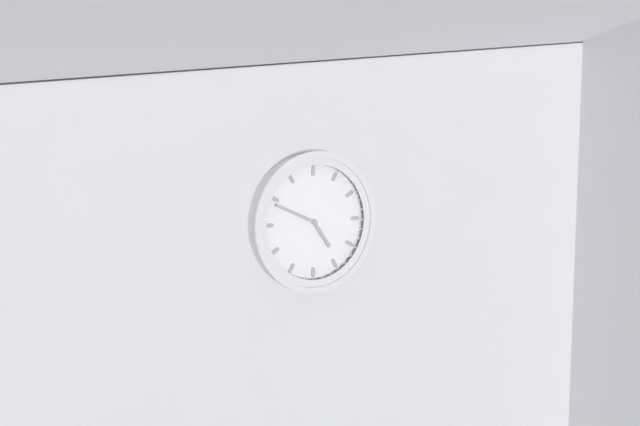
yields h=4 m=49
